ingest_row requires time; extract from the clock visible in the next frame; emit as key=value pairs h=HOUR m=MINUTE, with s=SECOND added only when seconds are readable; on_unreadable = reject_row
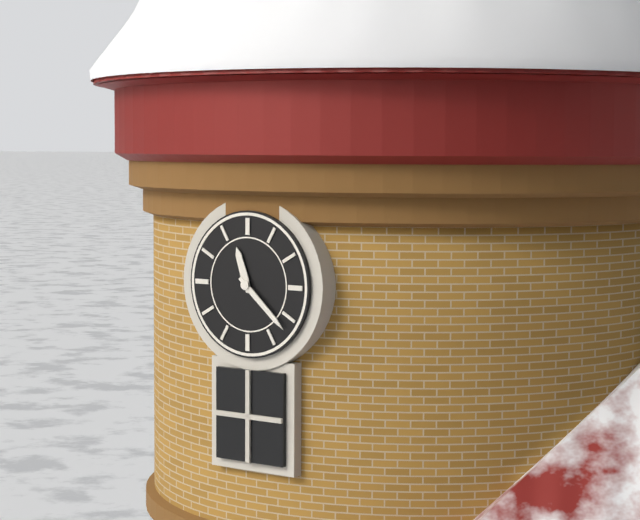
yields h=11 m=22
